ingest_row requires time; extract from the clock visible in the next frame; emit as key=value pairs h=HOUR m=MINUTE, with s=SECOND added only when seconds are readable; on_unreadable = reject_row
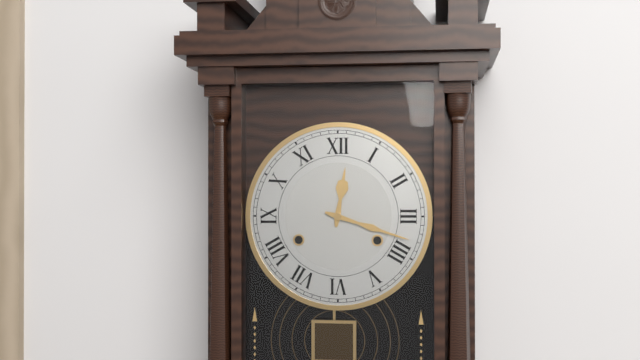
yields h=12 m=18
